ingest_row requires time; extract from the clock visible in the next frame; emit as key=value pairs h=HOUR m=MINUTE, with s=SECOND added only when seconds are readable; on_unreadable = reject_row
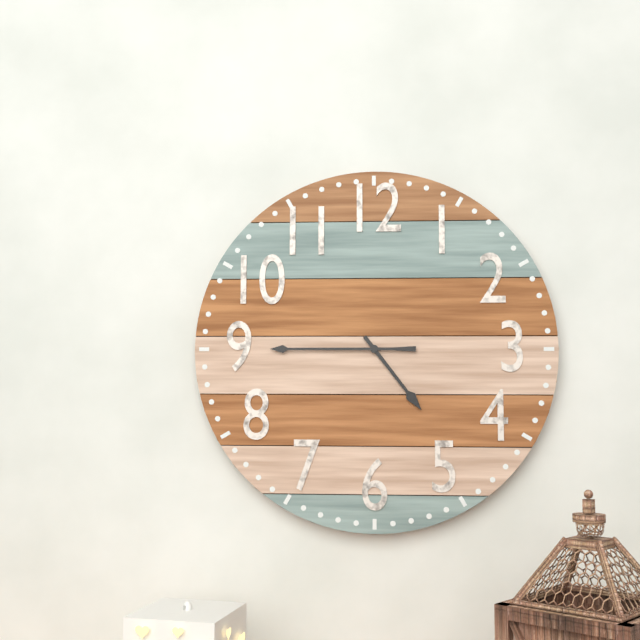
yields h=4 m=45
